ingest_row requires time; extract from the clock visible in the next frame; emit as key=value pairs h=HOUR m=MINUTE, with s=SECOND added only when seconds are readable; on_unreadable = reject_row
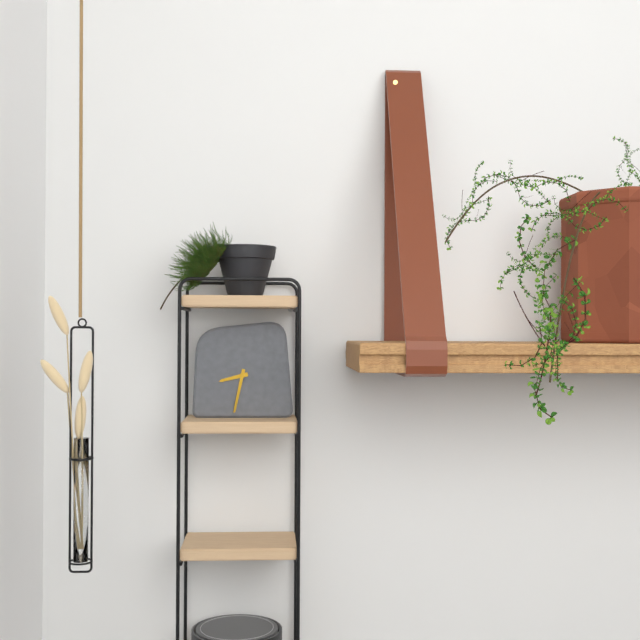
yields h=8 m=32
